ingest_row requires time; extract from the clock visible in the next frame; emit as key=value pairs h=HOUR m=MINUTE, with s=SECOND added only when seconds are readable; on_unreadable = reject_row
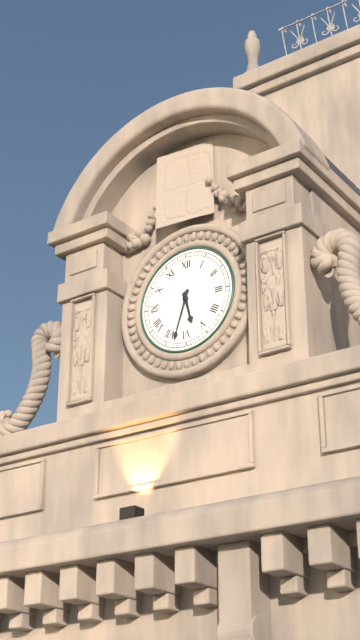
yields h=5 m=33
